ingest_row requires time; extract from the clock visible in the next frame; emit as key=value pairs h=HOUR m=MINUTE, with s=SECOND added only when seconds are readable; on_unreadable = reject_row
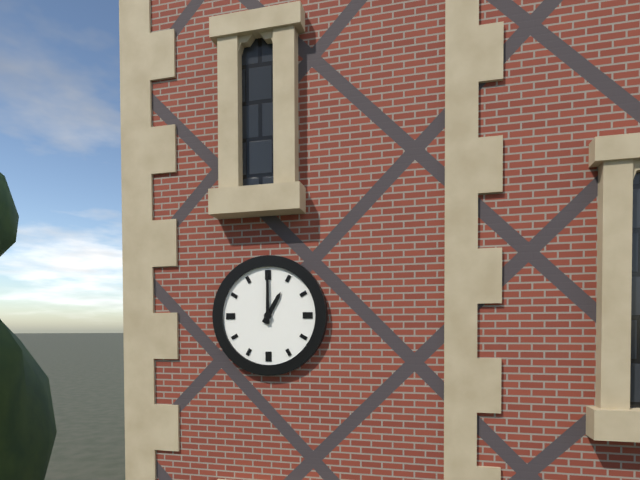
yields h=1 m=0
